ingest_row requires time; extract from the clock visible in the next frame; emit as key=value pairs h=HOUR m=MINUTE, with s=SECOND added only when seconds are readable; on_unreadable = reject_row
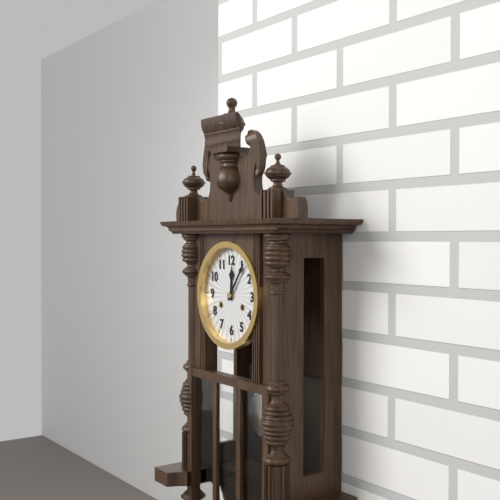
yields h=12 m=6
